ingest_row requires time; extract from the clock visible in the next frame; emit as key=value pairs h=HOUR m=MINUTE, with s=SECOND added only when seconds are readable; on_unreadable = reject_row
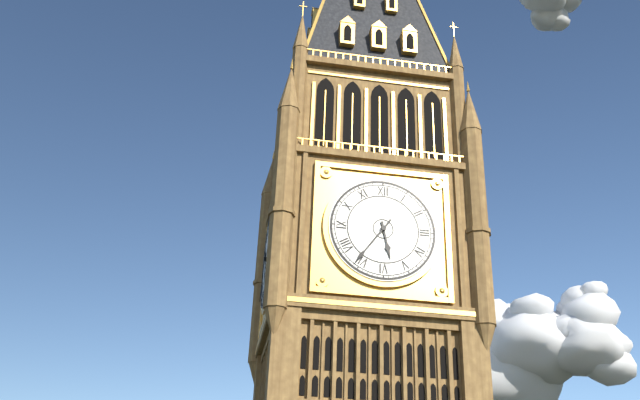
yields h=5 m=36
